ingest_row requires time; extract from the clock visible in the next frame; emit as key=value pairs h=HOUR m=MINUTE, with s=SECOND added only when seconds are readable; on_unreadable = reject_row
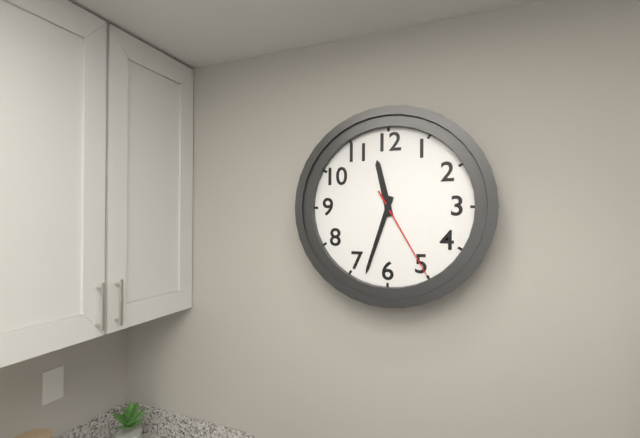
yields h=11 m=33 s=25
